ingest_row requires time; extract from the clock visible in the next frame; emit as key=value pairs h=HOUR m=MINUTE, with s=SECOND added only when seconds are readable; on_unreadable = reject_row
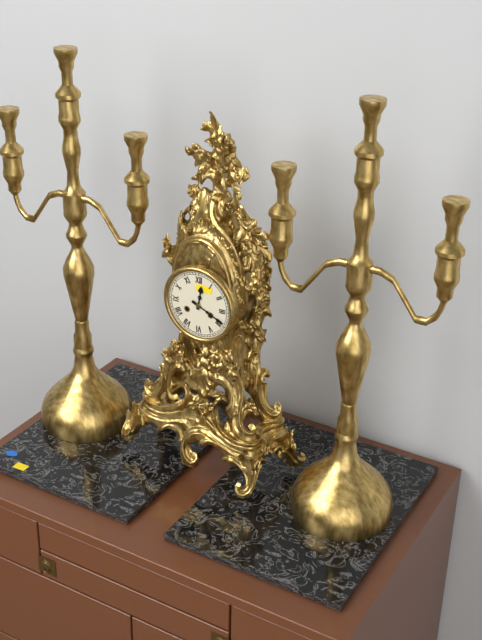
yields h=12 m=19
